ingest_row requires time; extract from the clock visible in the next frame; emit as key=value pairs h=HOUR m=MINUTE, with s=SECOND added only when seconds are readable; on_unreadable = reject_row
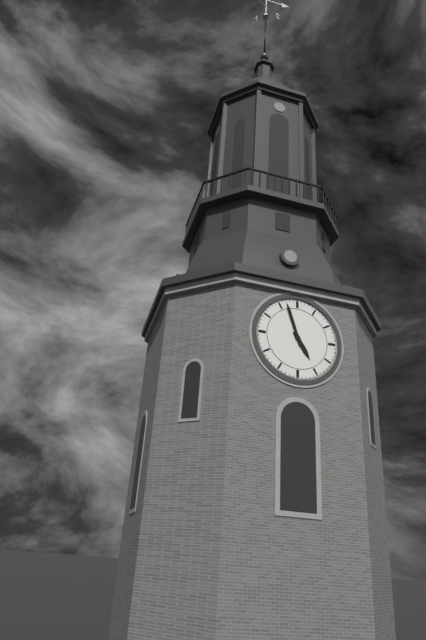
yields h=4 m=57
